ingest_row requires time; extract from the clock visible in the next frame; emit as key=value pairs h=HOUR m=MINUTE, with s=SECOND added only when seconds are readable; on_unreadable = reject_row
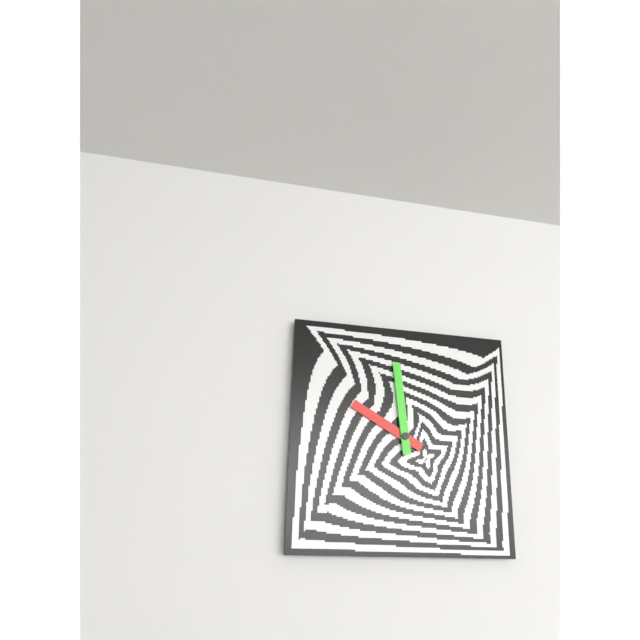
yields h=9 m=59
